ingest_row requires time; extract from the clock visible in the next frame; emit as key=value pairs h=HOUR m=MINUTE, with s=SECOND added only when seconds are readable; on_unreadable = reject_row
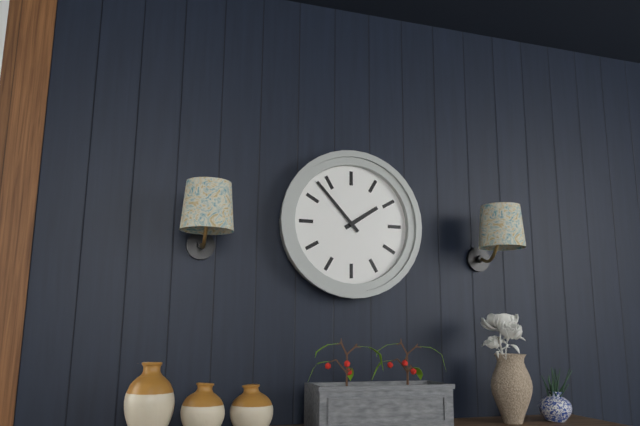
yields h=1 m=53
